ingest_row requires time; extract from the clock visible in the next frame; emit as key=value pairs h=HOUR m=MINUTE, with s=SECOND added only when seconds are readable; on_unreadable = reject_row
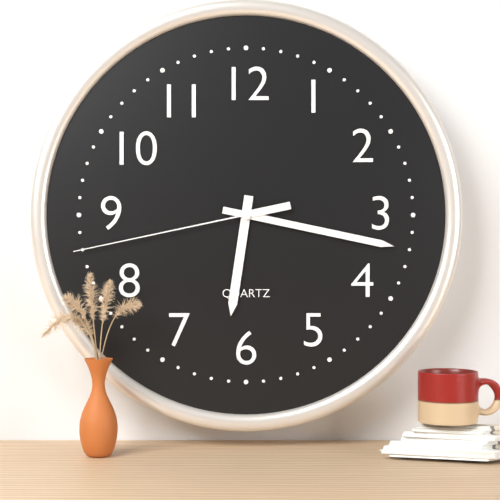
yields h=6 m=17 s=43
